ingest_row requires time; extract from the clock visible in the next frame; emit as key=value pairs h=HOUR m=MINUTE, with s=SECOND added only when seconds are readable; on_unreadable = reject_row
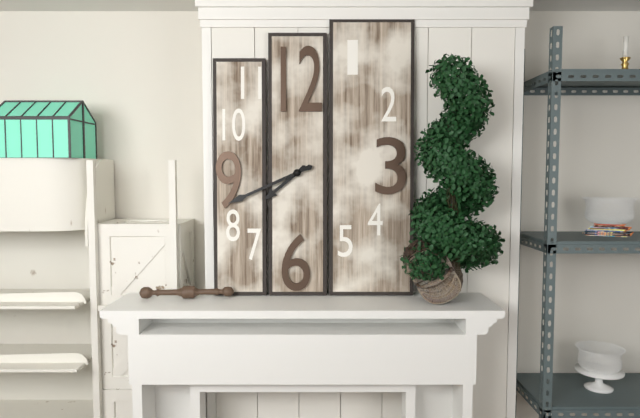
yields h=7 m=41
